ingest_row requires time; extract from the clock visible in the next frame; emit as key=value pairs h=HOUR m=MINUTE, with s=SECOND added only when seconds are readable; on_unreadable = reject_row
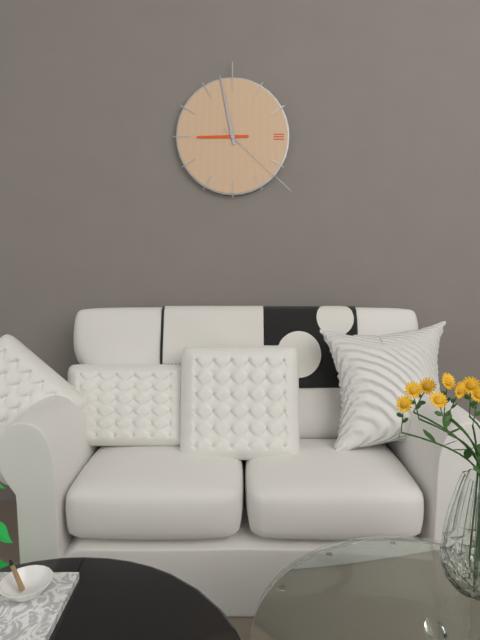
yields h=8 m=58 s=22
